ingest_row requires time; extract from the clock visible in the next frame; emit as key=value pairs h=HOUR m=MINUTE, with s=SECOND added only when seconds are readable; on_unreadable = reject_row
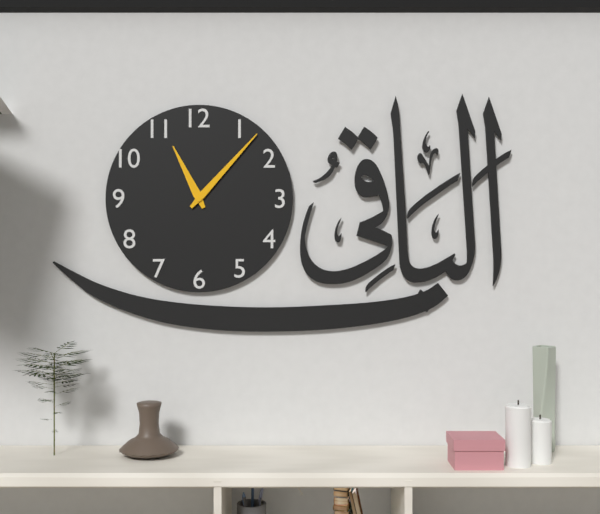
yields h=11 m=7
